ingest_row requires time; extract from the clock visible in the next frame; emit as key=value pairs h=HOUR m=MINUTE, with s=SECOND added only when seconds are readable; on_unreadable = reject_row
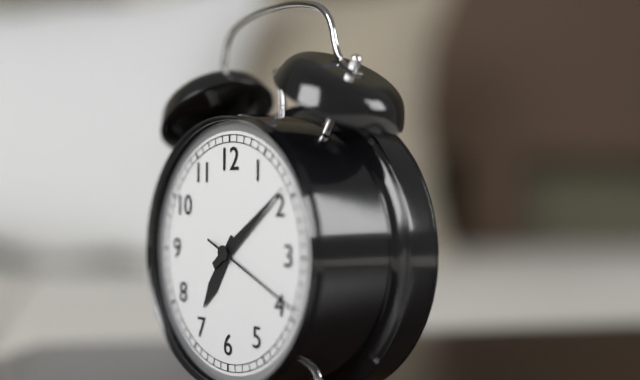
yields h=7 m=9 s=19
